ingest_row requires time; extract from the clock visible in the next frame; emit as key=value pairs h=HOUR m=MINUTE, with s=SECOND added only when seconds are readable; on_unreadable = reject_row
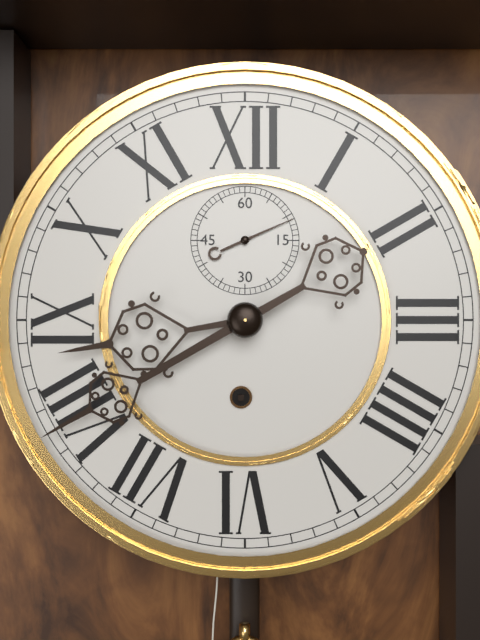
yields h=8 m=40 s=11
